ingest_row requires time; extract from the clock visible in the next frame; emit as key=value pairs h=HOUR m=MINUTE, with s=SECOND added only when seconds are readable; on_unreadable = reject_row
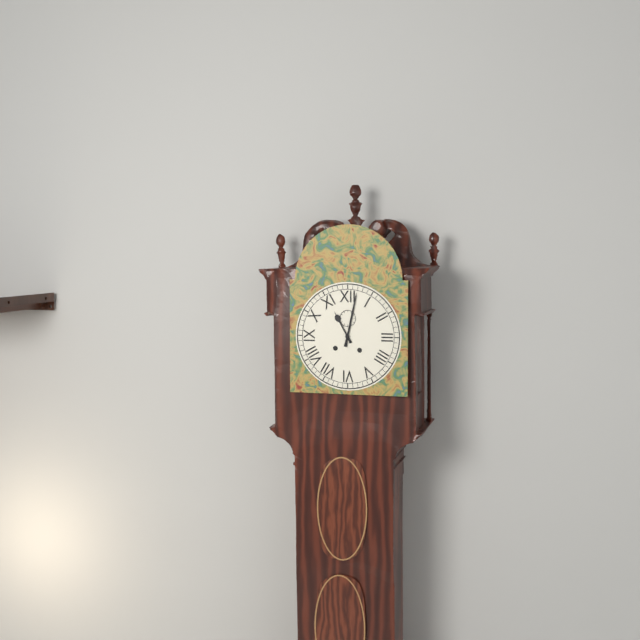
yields h=11 m=2
